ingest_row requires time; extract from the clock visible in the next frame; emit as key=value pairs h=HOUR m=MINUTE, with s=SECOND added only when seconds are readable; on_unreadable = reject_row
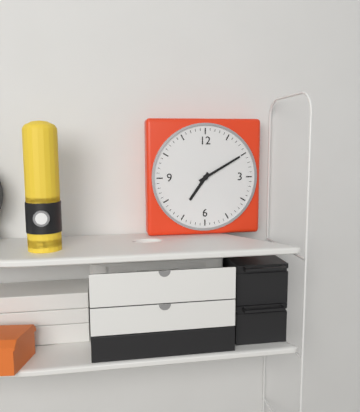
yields h=7 m=10
